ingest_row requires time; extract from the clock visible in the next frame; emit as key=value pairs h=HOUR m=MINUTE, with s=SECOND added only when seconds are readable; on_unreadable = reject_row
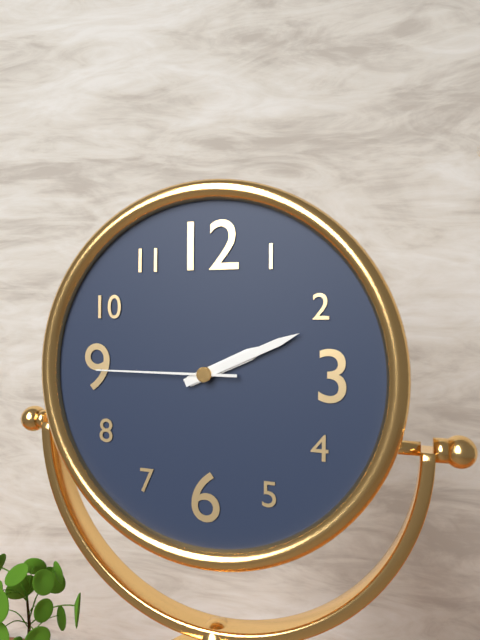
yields h=2 m=11 s=45
